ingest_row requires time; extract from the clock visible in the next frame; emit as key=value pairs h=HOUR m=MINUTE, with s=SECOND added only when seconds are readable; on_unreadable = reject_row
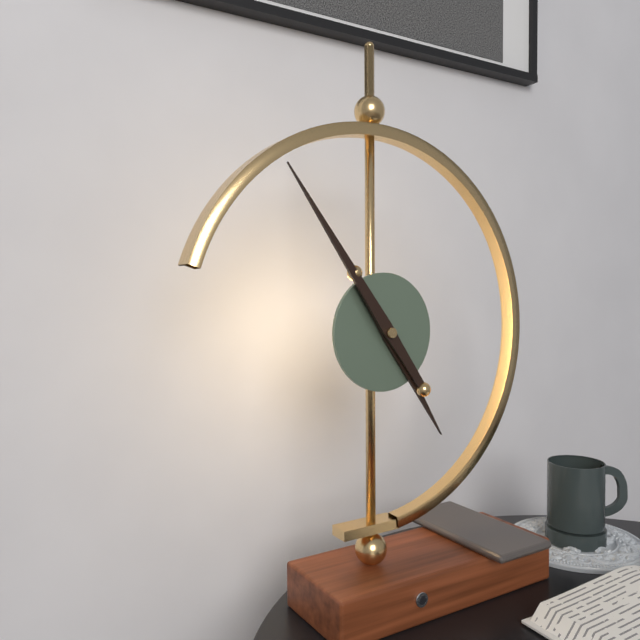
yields h=4 m=54
